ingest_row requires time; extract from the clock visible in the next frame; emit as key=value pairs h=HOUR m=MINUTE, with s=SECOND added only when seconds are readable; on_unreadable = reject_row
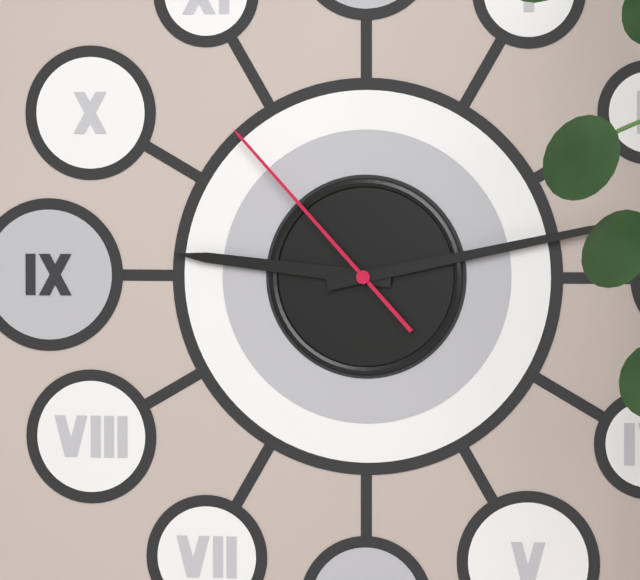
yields h=9 m=13 s=53
